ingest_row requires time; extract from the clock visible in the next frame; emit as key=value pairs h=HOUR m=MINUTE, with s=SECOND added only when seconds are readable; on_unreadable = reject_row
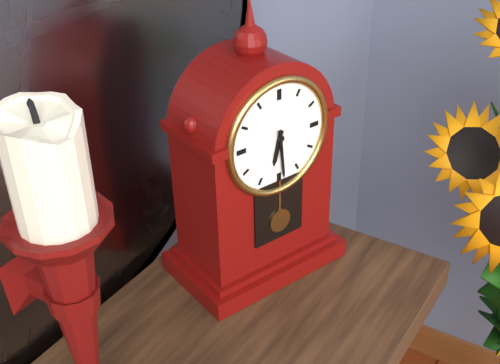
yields h=6 m=29
